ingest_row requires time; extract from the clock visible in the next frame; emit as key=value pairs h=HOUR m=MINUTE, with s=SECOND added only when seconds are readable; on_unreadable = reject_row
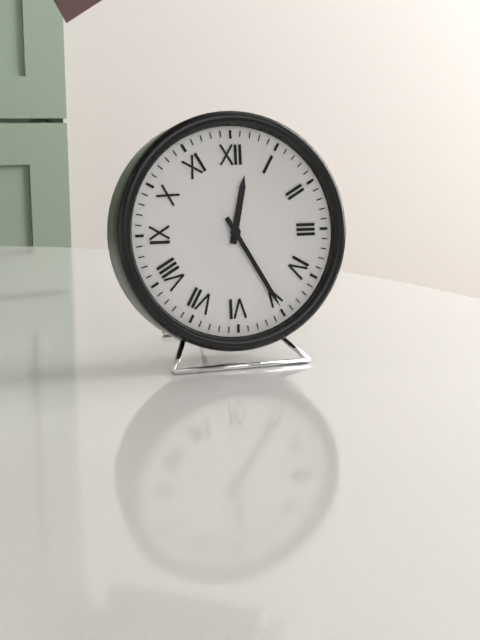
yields h=12 m=25
